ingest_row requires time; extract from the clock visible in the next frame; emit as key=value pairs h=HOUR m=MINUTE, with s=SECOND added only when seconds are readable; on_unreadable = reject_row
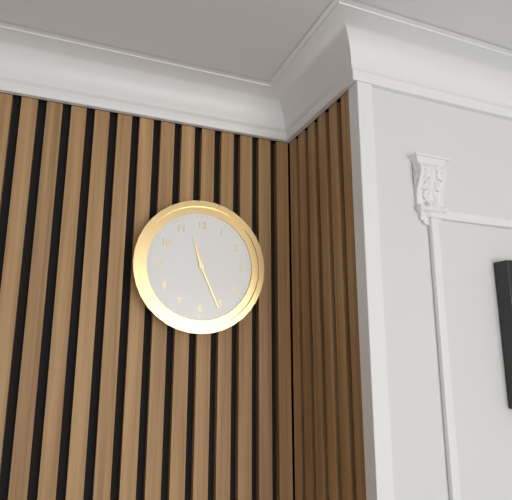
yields h=11 m=26
